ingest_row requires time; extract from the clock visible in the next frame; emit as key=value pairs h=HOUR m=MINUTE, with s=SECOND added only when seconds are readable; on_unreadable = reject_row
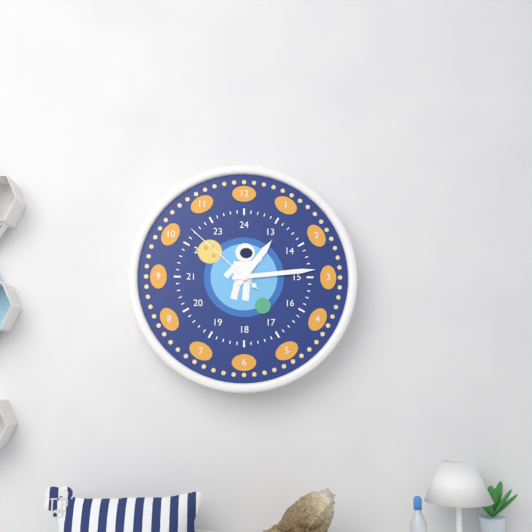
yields h=1 m=14 s=52
